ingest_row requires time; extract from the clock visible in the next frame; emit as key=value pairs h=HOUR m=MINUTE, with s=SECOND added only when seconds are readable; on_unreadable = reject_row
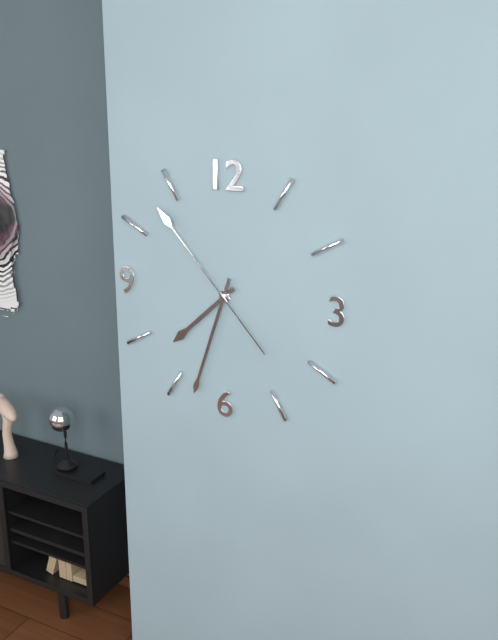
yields h=7 m=33 s=53
